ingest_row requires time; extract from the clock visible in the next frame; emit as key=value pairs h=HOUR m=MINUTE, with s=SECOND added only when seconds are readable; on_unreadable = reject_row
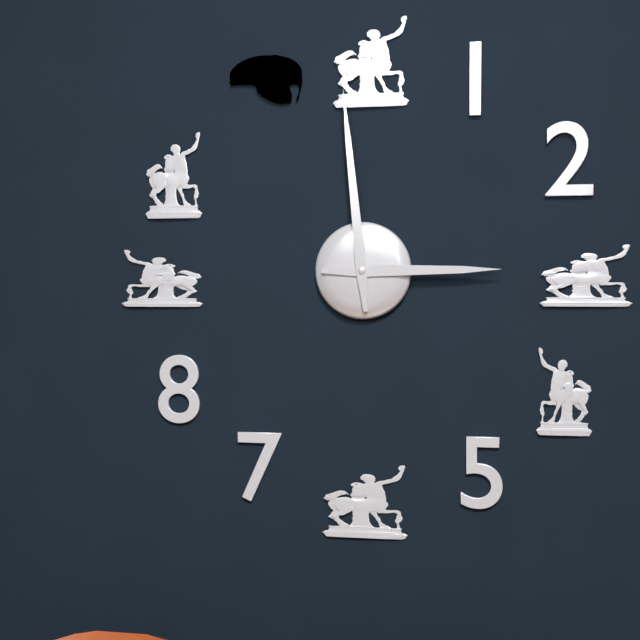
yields h=2 m=59
